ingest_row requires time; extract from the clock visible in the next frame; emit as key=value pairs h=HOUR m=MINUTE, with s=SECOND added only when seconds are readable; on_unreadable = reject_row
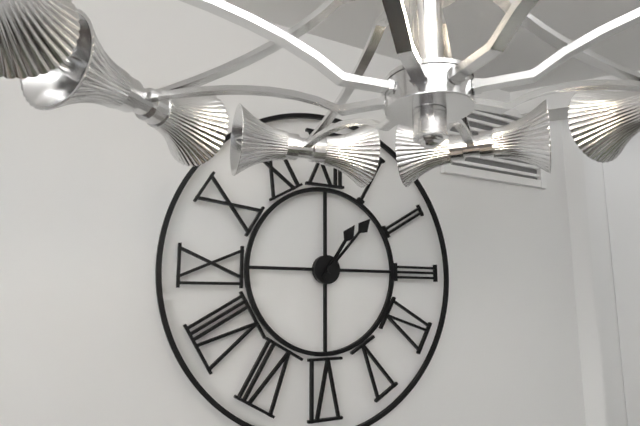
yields h=1 m=7
